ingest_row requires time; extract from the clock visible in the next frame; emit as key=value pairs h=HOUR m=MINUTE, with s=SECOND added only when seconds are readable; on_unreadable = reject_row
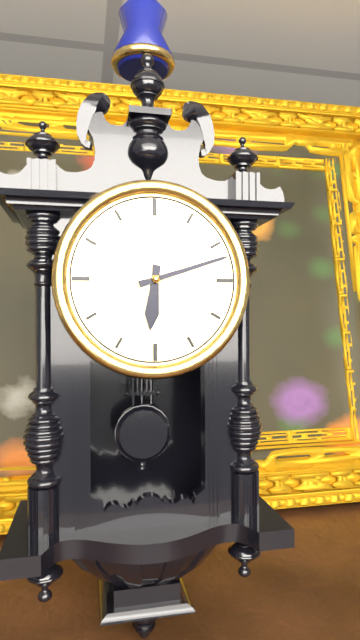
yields h=6 m=12
